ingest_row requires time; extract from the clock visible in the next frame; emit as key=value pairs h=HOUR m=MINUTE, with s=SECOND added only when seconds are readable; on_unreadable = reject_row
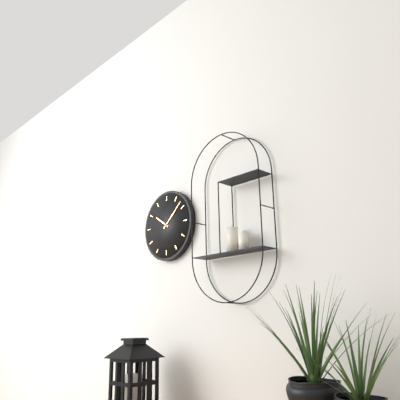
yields h=10 m=8
